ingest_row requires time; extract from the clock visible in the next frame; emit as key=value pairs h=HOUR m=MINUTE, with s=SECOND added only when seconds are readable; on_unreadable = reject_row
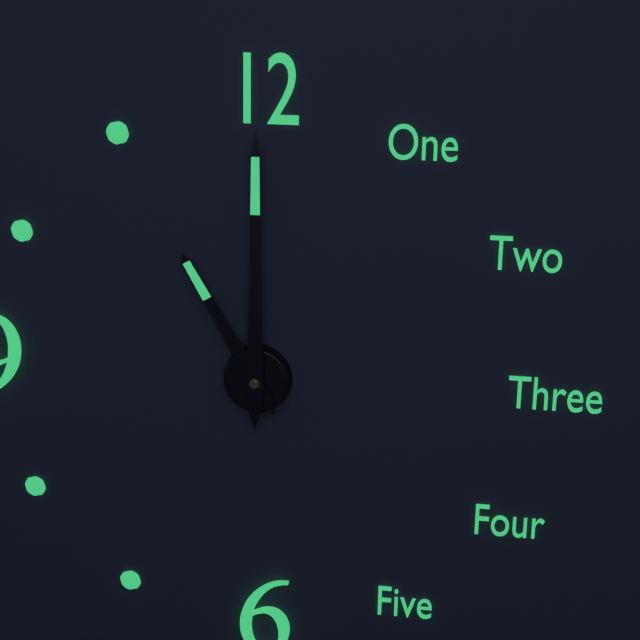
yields h=11 m=0
